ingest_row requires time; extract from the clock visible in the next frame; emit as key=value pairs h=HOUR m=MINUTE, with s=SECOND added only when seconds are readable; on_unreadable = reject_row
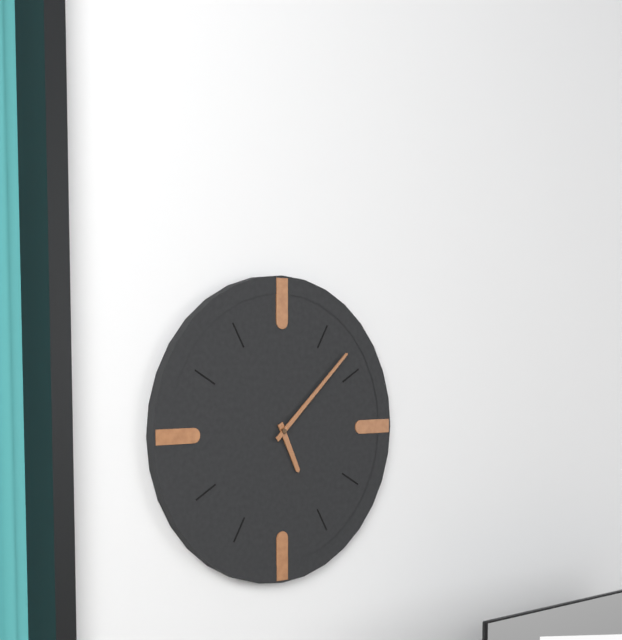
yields h=5 m=8
